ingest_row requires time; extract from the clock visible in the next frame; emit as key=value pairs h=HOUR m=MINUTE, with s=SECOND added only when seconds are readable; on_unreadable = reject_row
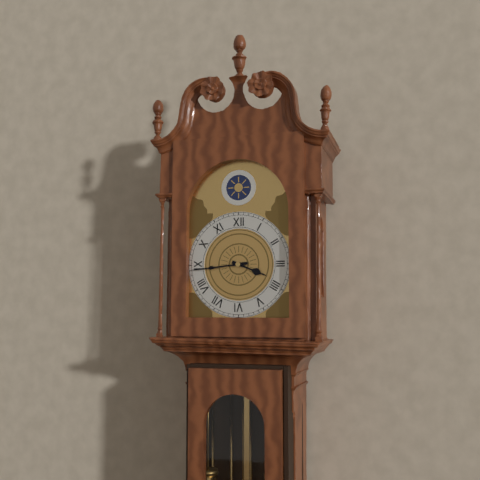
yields h=3 m=44
